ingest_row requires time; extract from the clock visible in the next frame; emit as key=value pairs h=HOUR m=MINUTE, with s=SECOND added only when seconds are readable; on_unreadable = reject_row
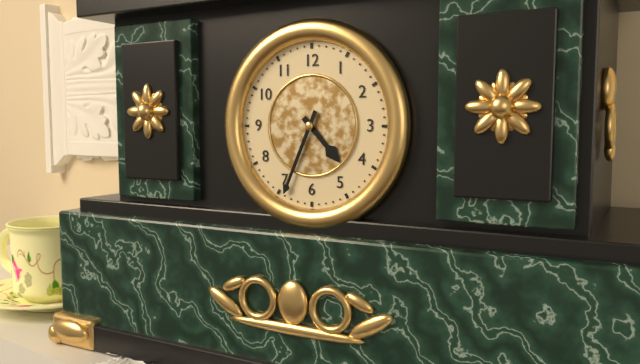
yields h=4 m=34
